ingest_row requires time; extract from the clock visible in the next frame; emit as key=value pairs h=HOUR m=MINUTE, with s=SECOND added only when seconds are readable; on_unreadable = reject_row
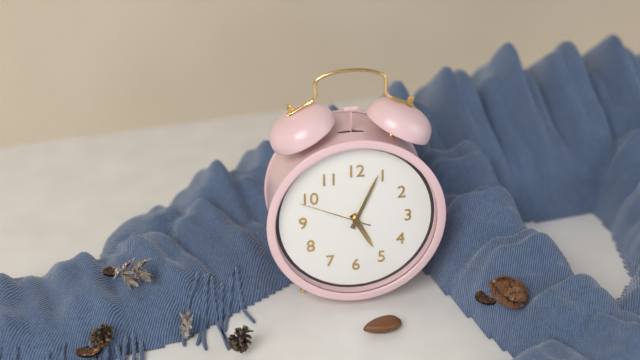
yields h=5 m=4 s=49
